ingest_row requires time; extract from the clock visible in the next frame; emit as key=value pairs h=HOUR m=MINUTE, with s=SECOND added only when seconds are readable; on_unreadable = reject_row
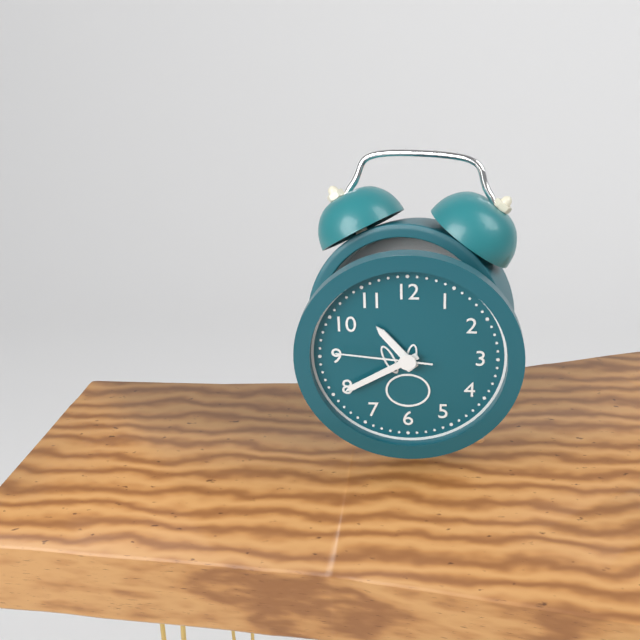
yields h=10 m=40 s=46
